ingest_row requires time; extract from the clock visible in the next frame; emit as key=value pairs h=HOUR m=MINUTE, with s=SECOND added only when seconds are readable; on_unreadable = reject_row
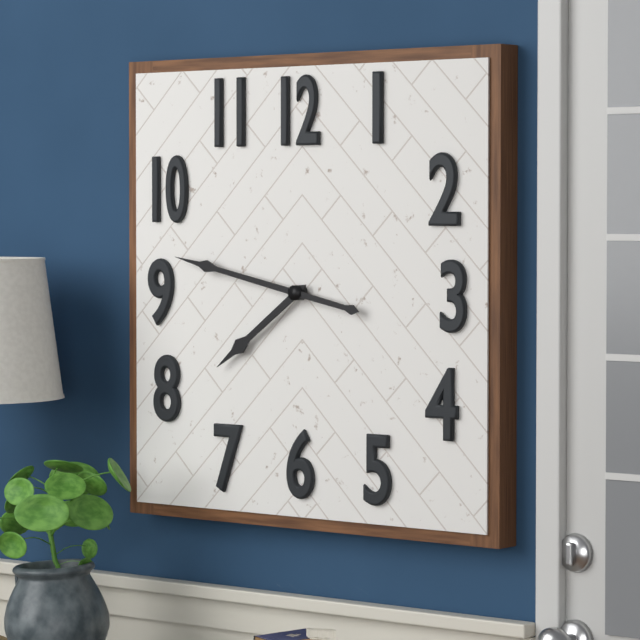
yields h=7 m=47
